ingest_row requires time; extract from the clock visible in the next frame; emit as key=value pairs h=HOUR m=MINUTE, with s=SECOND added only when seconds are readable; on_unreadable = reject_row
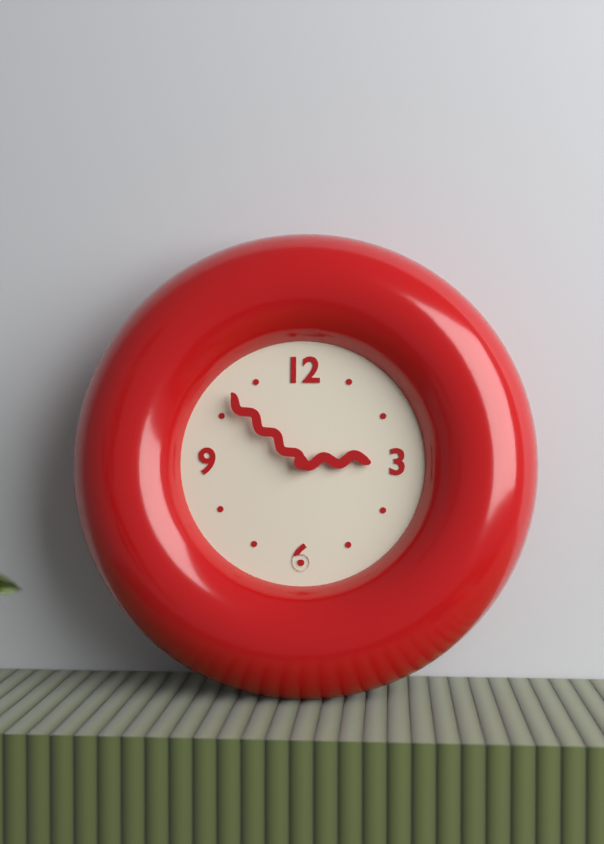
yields h=2 m=52
